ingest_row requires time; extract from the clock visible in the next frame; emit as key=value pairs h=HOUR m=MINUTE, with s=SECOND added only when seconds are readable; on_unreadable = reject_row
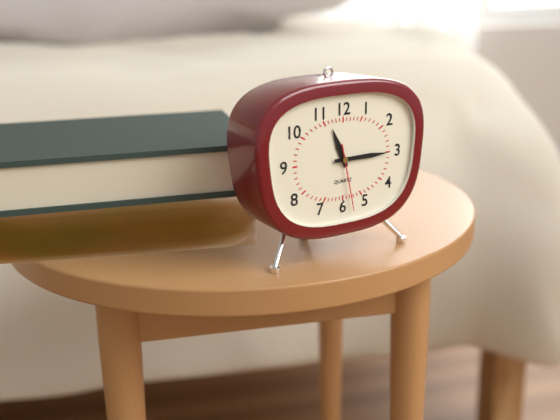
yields h=11 m=15 s=28
